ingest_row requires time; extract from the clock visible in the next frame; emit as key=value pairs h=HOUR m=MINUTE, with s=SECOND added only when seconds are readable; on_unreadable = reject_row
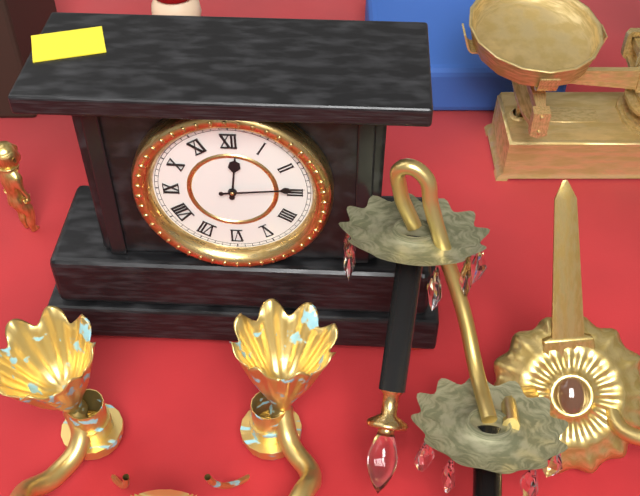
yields h=12 m=14
